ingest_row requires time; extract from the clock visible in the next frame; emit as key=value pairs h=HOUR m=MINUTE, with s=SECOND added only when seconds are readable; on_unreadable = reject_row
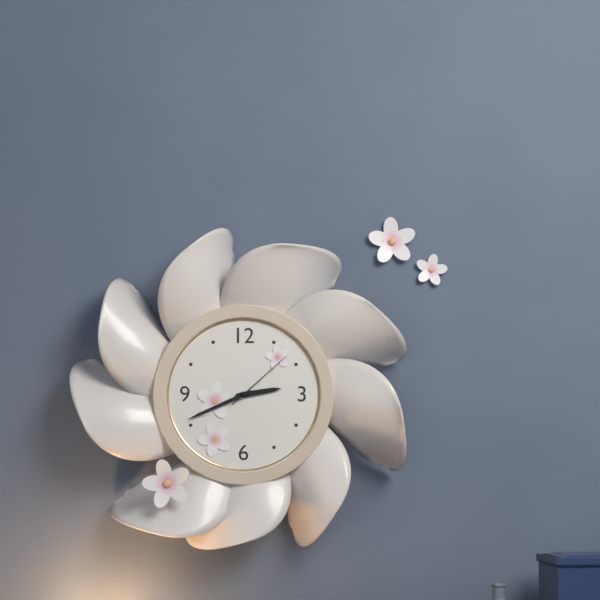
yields h=2 m=41 s=8
